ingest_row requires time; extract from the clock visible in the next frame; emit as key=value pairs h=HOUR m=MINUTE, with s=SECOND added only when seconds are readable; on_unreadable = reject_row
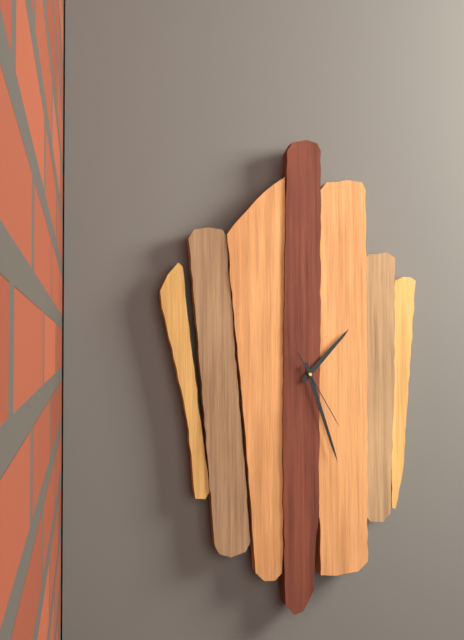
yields h=1 m=27 s=25
